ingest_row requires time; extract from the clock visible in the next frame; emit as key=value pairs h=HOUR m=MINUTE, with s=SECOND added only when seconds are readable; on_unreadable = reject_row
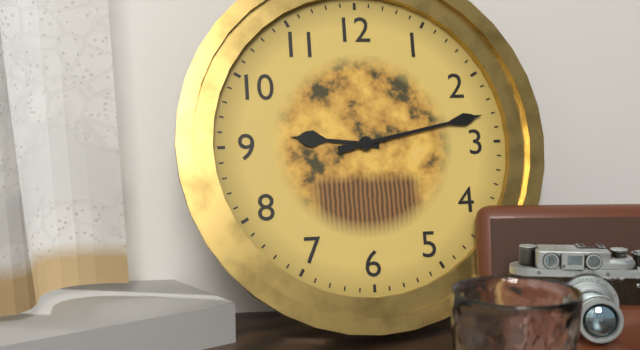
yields h=9 m=13
